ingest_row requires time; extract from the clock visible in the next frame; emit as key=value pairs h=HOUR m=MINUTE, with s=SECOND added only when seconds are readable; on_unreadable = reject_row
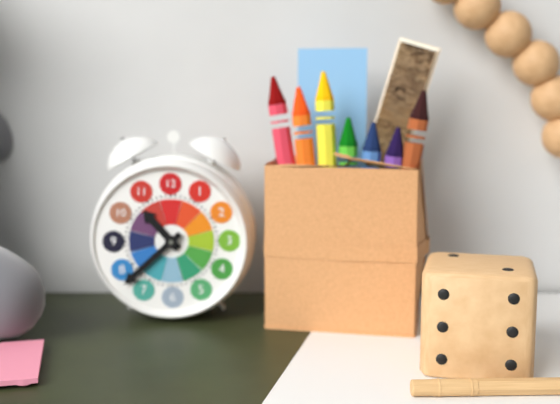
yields h=10 m=38
